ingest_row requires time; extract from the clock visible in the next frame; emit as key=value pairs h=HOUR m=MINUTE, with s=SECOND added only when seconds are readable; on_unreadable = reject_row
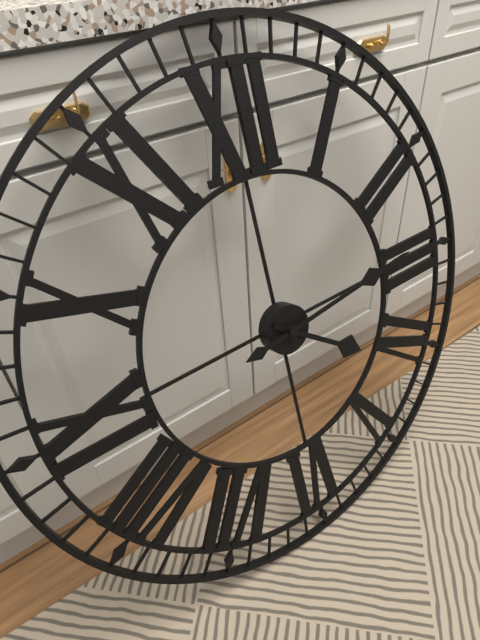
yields h=4 m=14
